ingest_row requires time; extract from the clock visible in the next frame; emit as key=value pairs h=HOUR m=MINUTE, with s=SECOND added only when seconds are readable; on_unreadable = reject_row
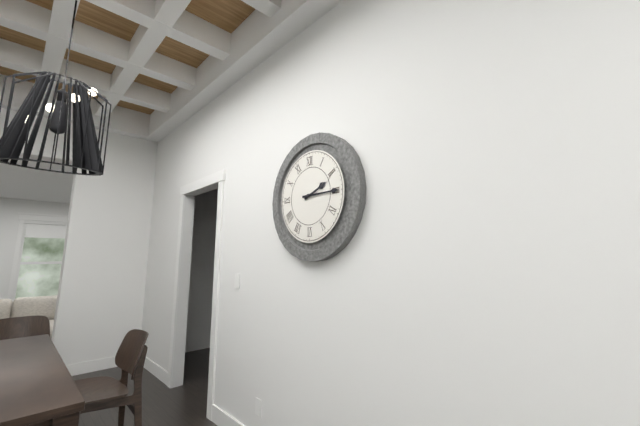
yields h=2 m=15
